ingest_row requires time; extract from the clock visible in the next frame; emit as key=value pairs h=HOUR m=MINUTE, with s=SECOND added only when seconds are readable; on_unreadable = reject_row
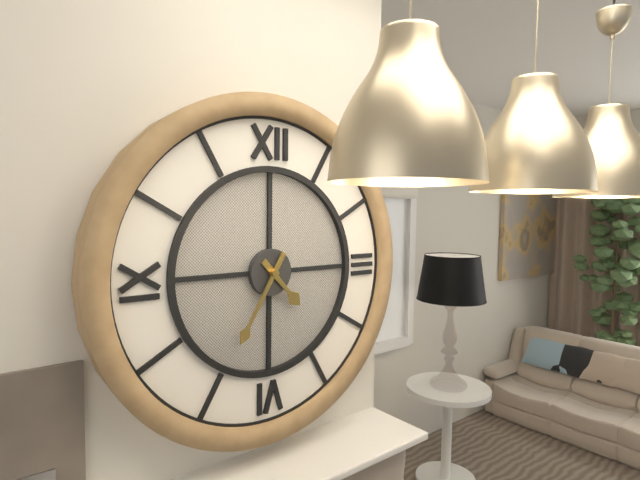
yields h=4 m=35
